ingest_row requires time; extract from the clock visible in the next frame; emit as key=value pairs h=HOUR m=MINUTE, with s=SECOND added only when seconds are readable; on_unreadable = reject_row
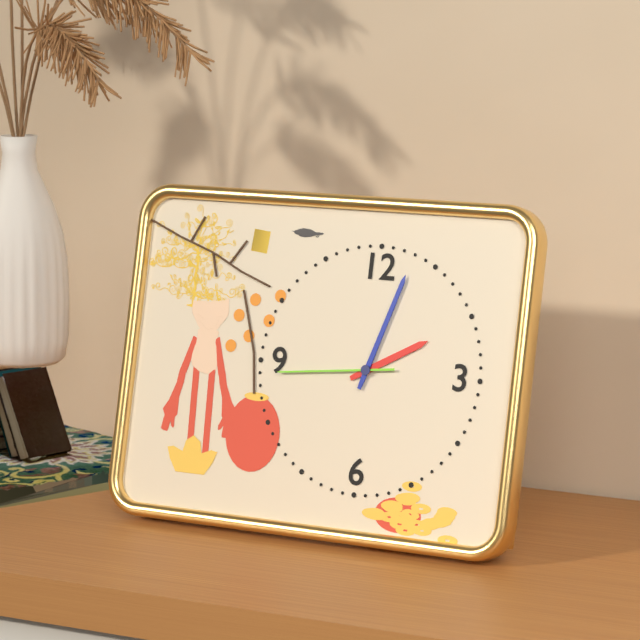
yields h=2 m=3 s=44
